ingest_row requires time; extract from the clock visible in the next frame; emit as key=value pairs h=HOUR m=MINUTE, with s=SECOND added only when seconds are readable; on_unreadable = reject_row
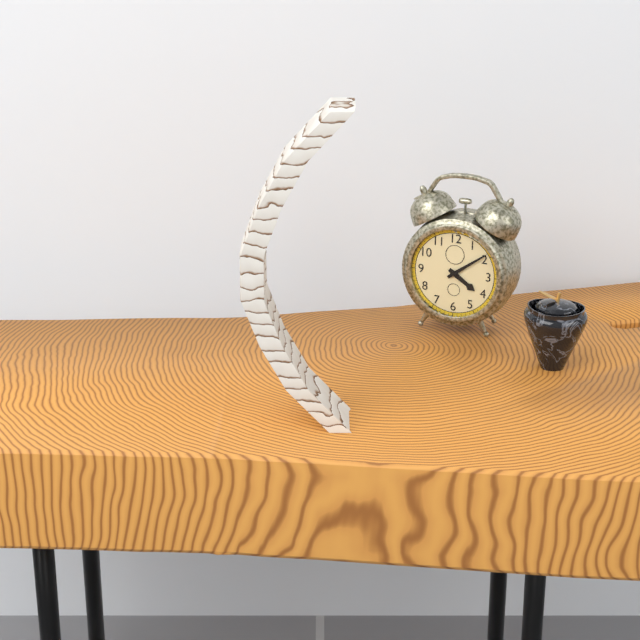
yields h=4 m=9
